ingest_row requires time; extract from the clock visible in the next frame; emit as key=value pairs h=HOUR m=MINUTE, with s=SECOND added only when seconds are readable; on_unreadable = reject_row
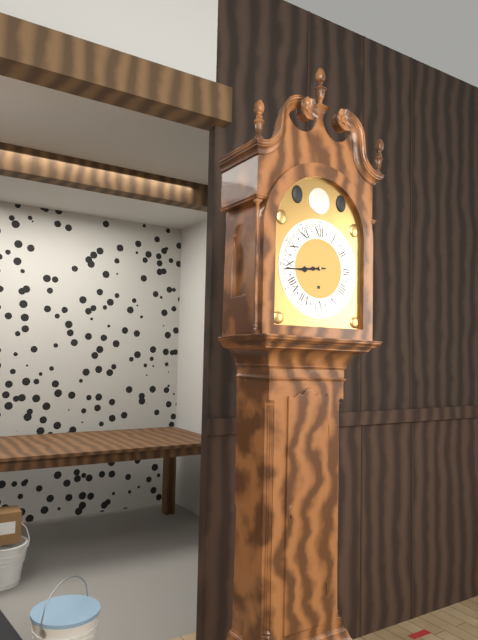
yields h=8 m=44
